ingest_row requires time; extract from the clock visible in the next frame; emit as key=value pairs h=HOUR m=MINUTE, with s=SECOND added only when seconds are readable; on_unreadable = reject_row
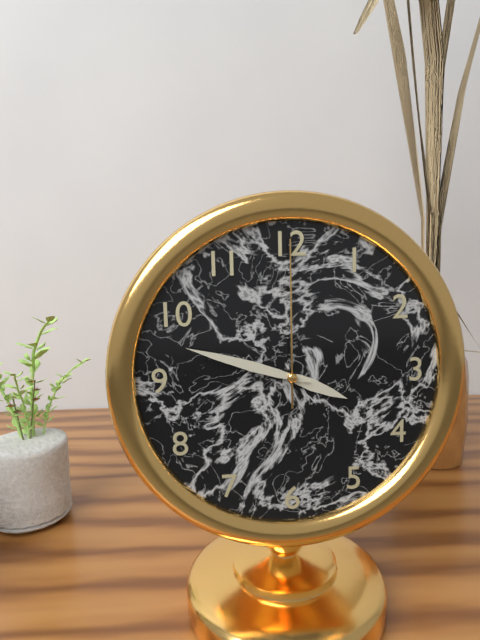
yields h=3 m=48 s=0
